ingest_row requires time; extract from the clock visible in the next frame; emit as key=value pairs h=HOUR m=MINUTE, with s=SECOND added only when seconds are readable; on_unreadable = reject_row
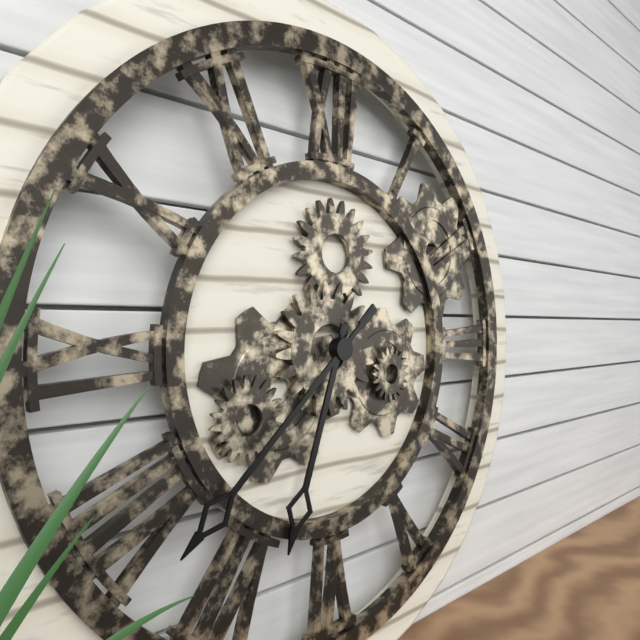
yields h=6 m=38
